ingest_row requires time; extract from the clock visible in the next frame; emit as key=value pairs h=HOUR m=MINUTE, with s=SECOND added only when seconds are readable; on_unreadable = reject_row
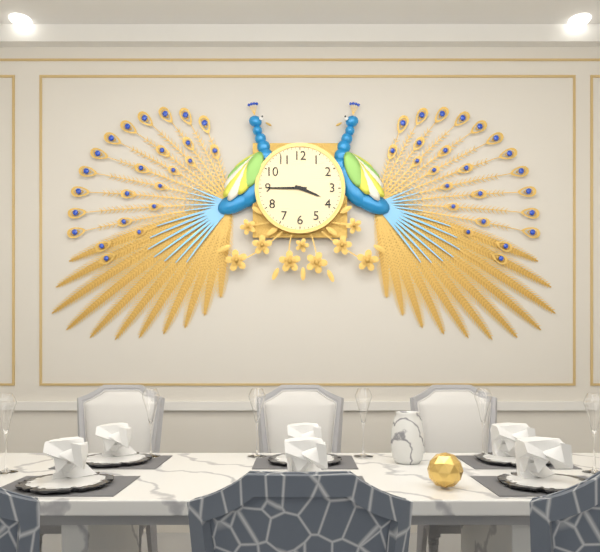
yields h=3 m=45
